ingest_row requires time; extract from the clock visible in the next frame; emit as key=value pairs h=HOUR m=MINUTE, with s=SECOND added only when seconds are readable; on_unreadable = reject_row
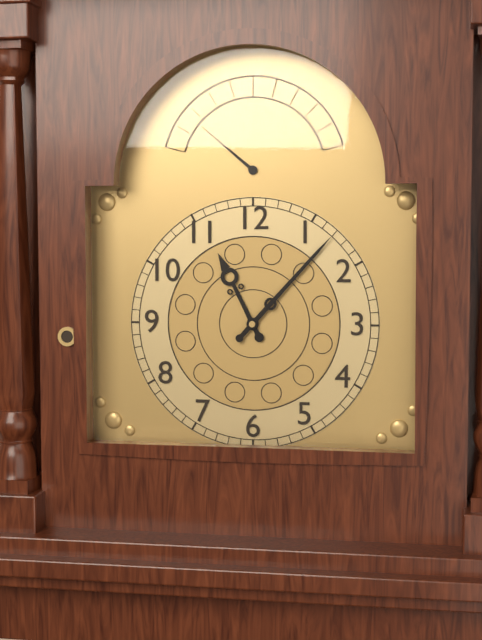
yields h=11 m=7
